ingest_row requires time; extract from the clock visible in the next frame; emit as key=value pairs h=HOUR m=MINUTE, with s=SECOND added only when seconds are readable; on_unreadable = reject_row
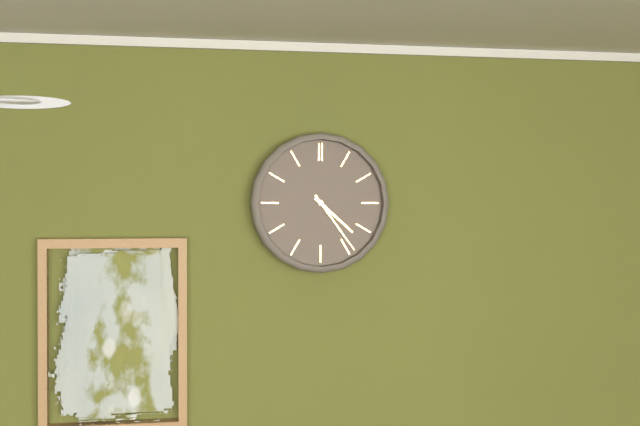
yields h=4 m=24
